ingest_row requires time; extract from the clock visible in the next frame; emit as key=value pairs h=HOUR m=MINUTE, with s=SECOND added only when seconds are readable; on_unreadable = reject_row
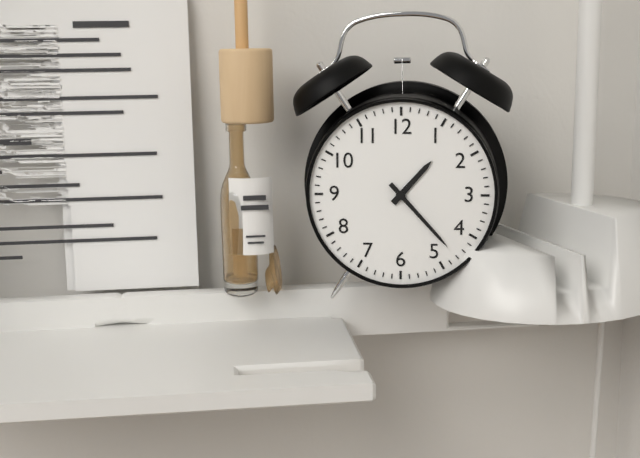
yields h=1 m=23
